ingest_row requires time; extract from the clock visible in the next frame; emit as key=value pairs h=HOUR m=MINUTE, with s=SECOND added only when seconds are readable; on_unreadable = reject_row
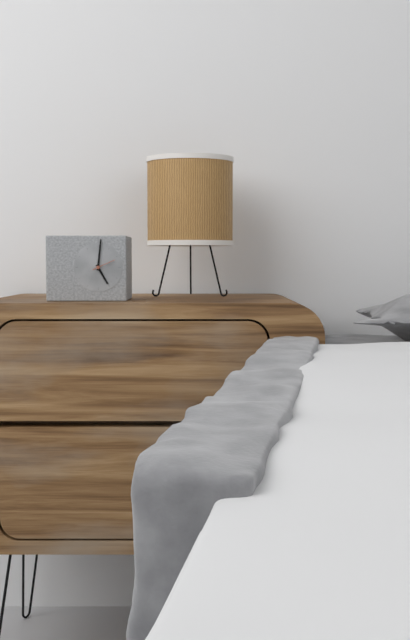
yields h=5 m=1
